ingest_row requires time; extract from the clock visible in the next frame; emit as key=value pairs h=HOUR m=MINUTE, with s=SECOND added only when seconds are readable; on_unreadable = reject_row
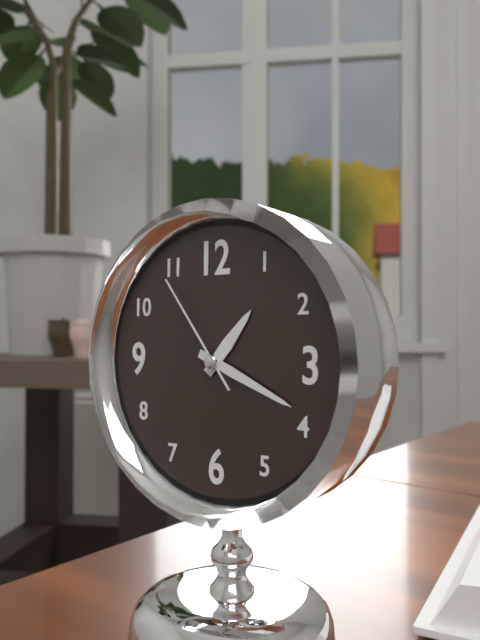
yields h=1 m=19 s=54
